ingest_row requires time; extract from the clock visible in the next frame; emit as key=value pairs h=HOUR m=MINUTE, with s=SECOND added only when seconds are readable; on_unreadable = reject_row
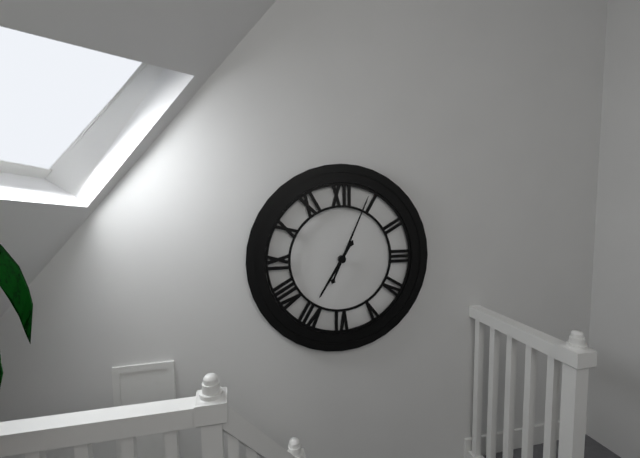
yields h=7 m=4
